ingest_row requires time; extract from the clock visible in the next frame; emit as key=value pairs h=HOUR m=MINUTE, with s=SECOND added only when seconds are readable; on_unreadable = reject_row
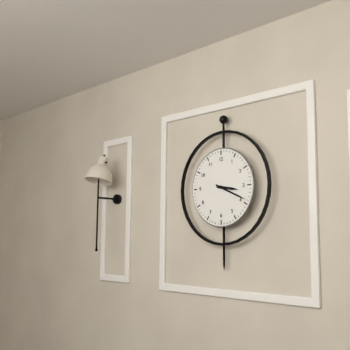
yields h=3 m=19
